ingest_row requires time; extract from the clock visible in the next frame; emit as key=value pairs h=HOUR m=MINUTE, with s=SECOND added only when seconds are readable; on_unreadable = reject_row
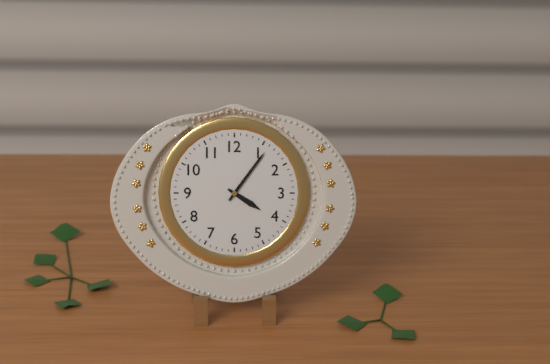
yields h=4 m=6
